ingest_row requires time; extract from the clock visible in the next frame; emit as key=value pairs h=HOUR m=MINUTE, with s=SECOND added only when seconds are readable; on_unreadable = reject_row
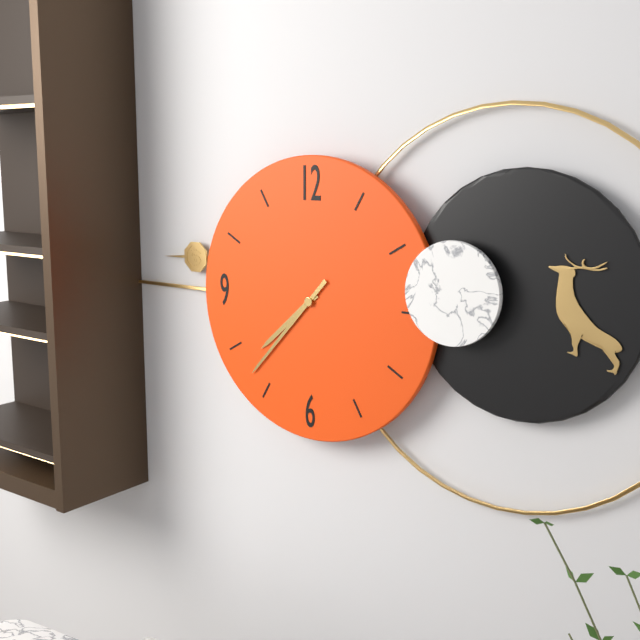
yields h=7 m=37
